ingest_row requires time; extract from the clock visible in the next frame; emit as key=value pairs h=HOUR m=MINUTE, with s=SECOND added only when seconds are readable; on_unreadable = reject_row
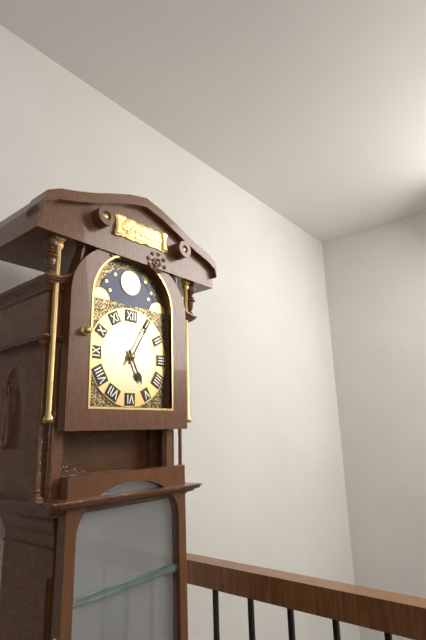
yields h=5 m=5
